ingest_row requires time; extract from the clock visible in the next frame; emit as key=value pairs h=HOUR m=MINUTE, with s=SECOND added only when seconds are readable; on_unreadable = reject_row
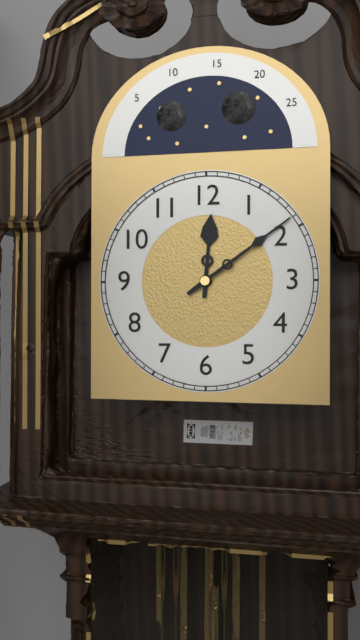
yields h=12 m=9
